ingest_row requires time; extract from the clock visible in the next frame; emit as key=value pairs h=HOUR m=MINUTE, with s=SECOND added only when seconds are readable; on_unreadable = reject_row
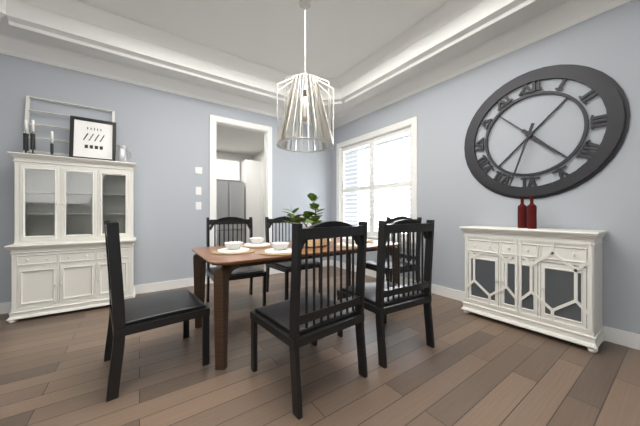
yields h=4 m=33
